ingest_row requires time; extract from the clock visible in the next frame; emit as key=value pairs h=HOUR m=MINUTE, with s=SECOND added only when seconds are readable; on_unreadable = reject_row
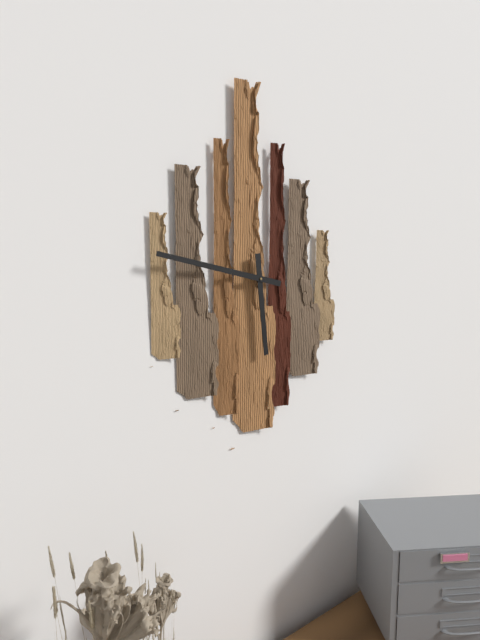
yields h=5 m=47
